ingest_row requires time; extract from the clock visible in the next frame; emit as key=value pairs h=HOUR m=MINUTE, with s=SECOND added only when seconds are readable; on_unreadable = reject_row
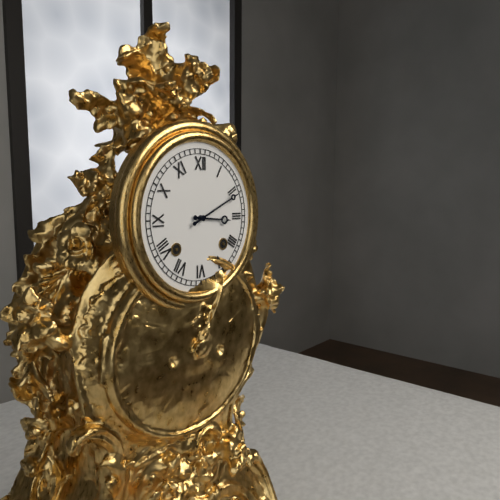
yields h=3 m=11
